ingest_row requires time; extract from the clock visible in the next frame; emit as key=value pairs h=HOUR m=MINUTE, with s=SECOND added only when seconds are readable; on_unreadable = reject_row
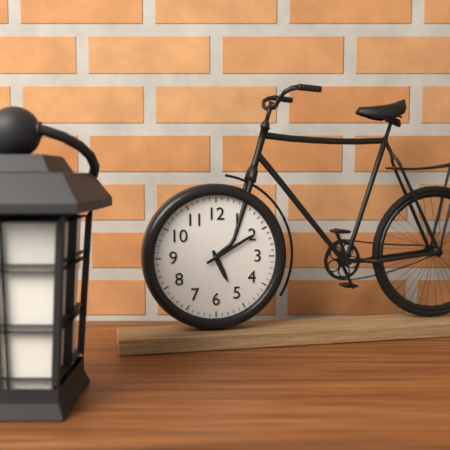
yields h=5 m=10
